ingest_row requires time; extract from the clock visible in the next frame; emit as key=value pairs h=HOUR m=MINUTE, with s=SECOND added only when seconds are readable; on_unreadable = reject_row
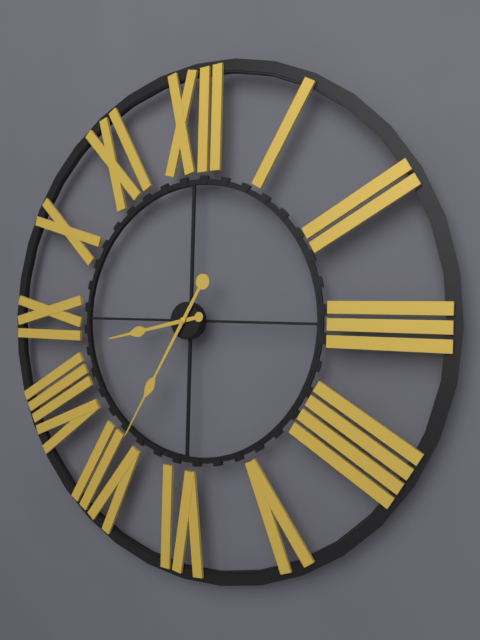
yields h=8 m=35
